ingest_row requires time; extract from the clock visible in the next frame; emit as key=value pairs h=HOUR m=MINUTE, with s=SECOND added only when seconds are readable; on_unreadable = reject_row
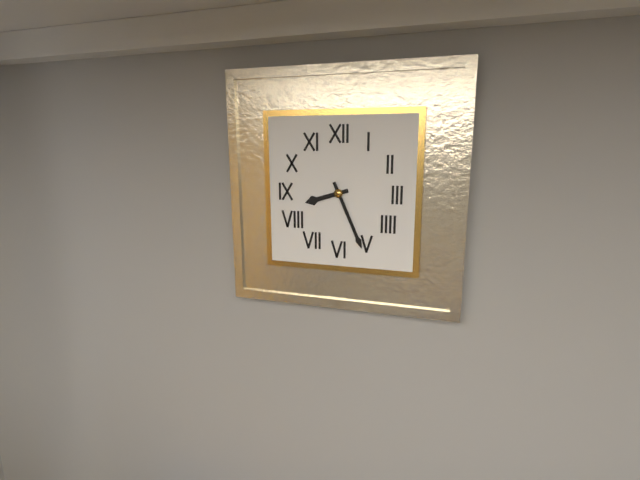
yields h=8 m=26
